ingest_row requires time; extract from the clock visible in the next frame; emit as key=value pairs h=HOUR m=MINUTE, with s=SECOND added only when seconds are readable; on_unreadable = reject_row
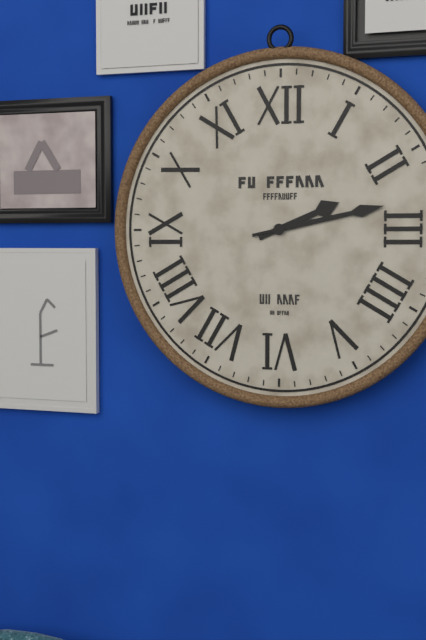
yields h=2 m=13
